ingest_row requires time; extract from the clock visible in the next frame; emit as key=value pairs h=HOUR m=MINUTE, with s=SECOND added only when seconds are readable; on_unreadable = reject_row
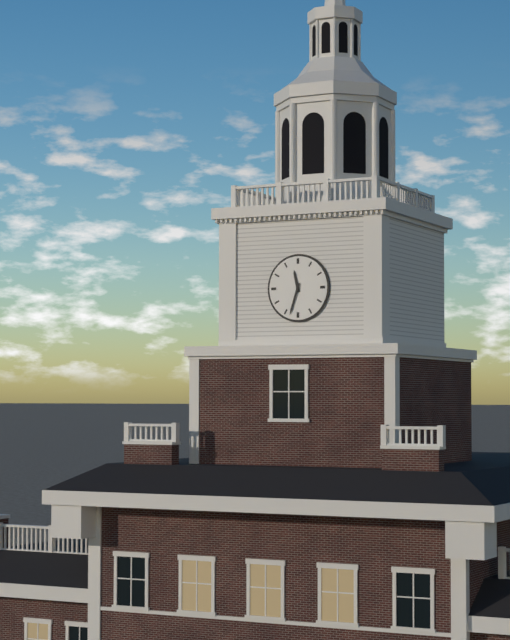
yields h=11 m=33
